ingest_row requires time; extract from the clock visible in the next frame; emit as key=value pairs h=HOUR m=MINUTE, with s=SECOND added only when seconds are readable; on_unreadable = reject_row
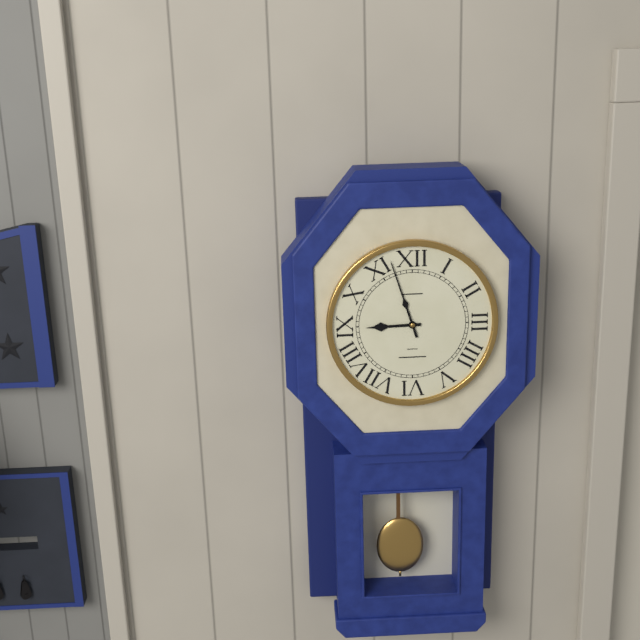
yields h=8 m=57
